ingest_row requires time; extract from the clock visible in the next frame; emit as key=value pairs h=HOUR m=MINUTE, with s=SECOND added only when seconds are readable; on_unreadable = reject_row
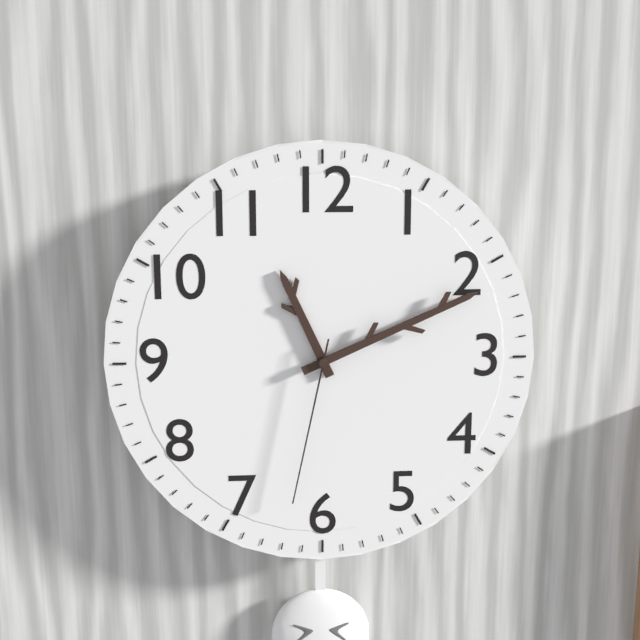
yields h=11 m=11 s=32
